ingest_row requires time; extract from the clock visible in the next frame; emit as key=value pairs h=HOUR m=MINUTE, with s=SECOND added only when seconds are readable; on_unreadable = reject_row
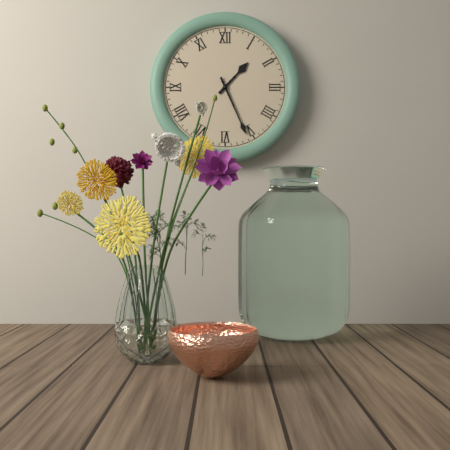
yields h=1 m=26
